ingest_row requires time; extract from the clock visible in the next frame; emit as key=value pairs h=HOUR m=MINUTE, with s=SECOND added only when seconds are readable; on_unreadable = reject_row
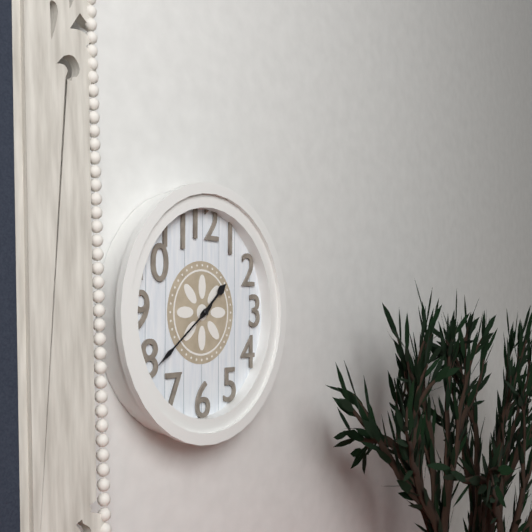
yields h=1 m=39
